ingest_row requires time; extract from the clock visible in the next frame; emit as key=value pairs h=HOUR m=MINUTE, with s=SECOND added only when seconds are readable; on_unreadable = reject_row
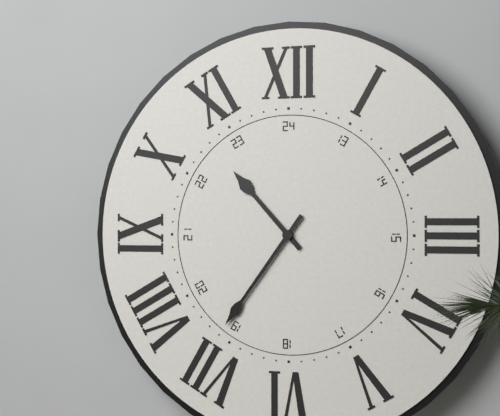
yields h=10 m=36
